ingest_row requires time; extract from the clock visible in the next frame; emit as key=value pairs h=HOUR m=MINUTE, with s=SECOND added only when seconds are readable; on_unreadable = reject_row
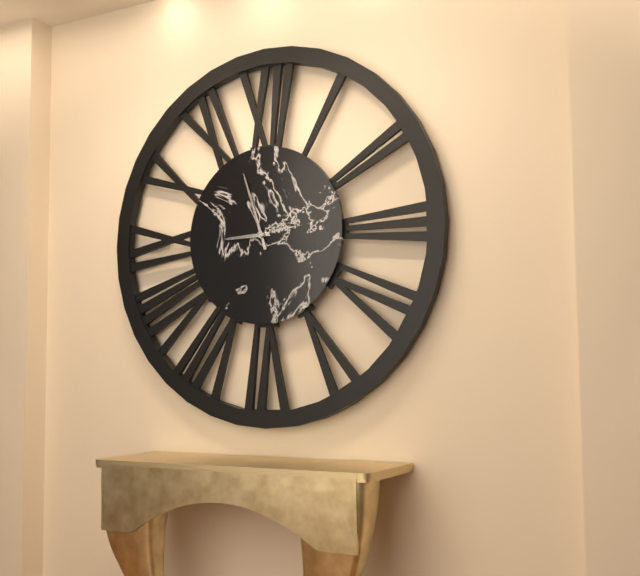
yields h=8 m=57
